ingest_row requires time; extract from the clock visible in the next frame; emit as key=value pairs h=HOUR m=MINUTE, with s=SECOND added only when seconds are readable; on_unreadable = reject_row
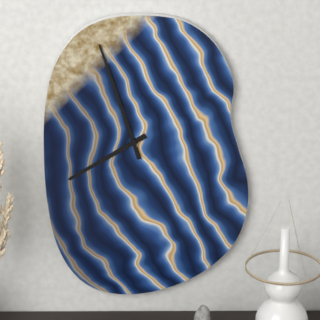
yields h=7 m=57
